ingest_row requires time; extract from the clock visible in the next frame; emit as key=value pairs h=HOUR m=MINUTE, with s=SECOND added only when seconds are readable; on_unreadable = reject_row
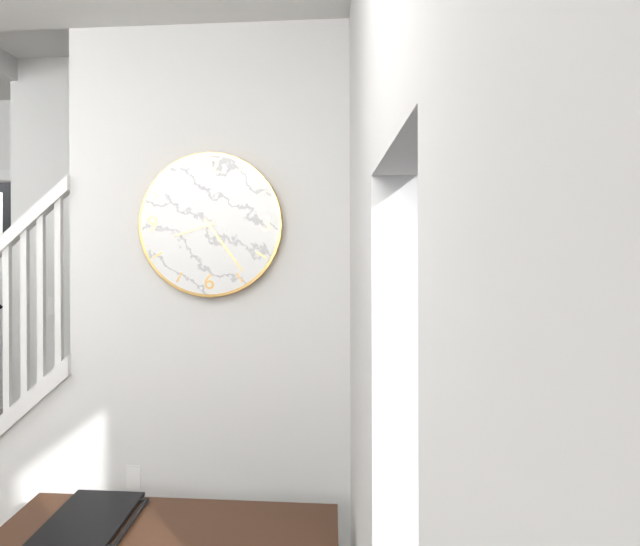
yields h=8 m=24
